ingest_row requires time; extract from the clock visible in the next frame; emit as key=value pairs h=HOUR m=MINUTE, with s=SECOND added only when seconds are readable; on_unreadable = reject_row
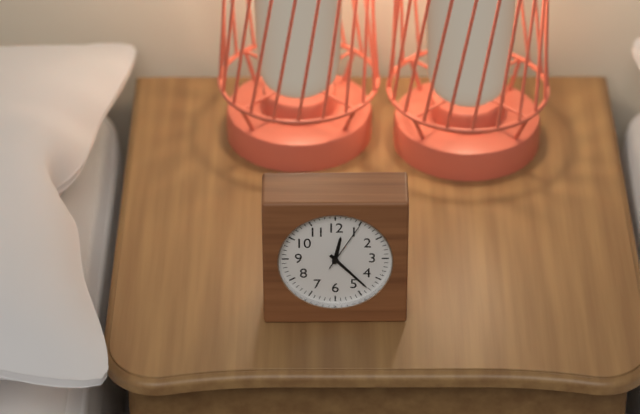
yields h=12 m=23 s=5
